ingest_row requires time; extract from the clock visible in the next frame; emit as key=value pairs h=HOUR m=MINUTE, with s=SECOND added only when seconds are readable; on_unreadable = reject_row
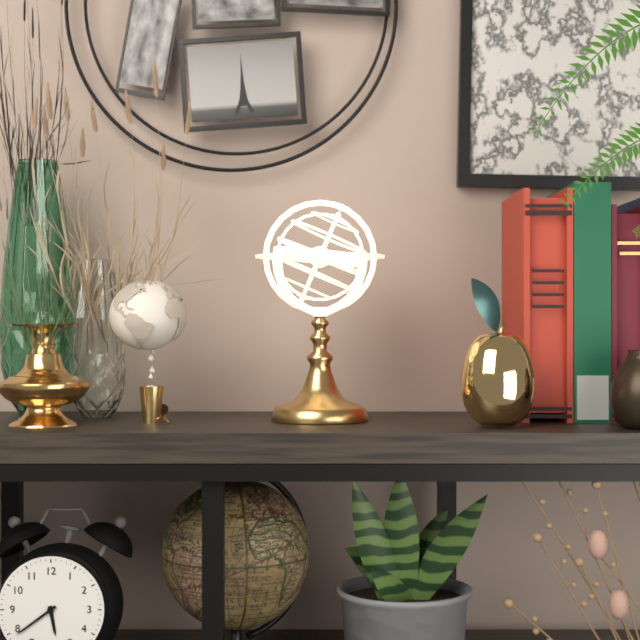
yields h=5 m=39
